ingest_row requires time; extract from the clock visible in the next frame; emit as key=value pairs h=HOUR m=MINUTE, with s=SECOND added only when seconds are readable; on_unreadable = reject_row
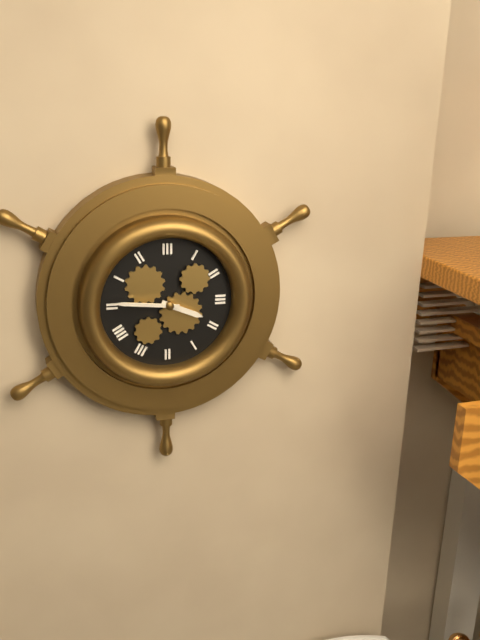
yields h=3 m=46
